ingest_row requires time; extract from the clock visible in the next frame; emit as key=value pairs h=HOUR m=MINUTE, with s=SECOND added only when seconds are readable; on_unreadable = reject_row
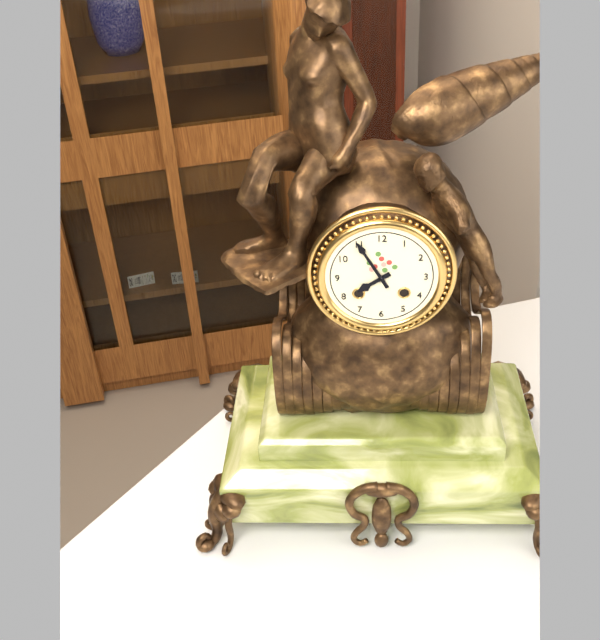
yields h=7 m=55
